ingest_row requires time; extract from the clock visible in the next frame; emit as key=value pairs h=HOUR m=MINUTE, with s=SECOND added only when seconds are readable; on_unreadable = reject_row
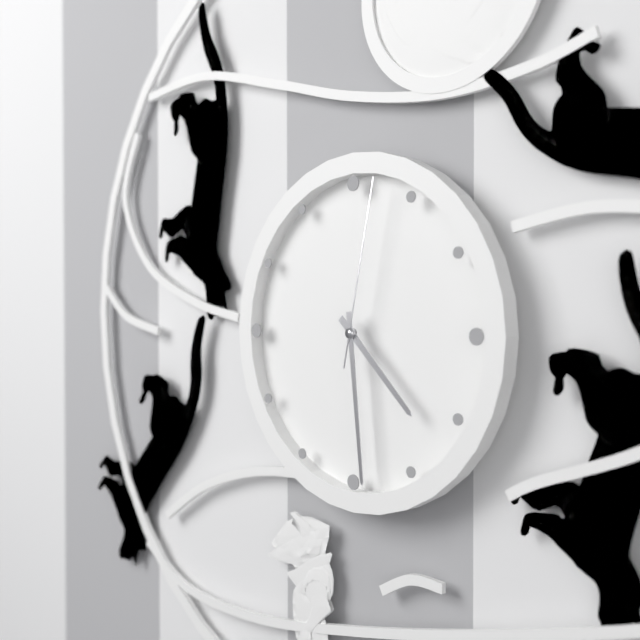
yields h=4 m=29 s=2
